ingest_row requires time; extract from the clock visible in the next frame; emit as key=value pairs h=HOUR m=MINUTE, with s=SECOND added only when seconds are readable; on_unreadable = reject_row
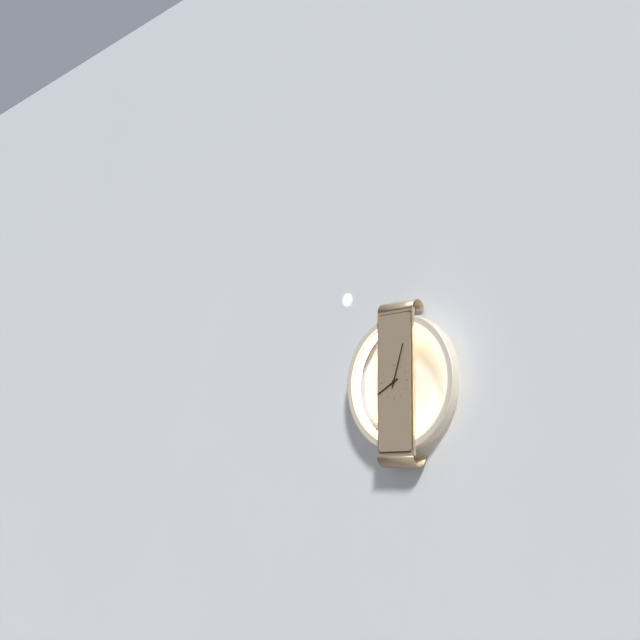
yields h=8 m=3
